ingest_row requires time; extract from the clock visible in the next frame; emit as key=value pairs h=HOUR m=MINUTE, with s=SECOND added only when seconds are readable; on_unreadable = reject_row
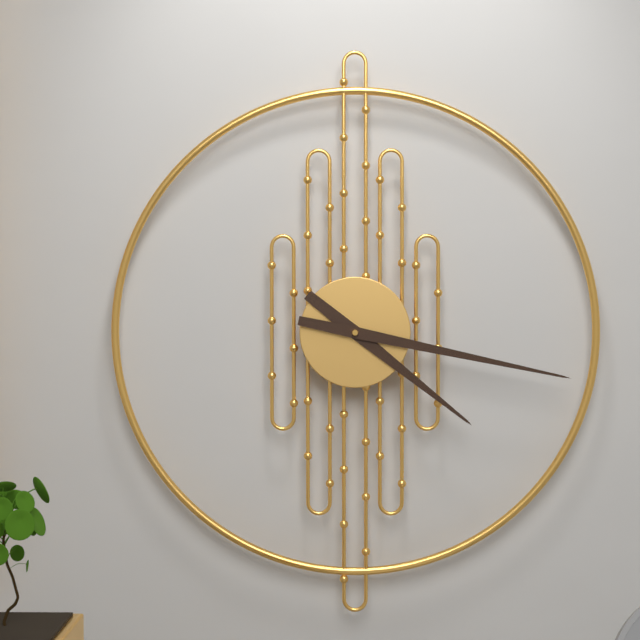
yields h=4 m=17
